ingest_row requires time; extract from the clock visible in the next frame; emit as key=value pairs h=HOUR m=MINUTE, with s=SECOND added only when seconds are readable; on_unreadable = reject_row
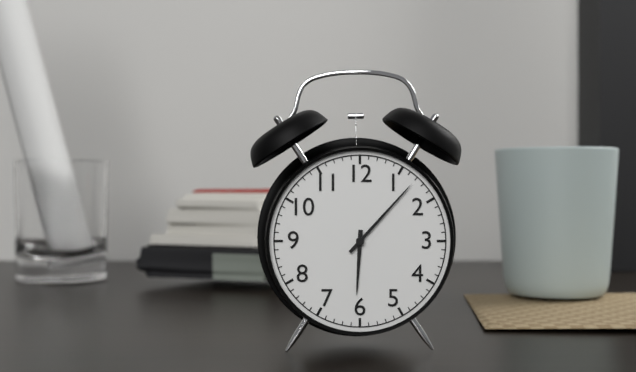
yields h=6 m=7
